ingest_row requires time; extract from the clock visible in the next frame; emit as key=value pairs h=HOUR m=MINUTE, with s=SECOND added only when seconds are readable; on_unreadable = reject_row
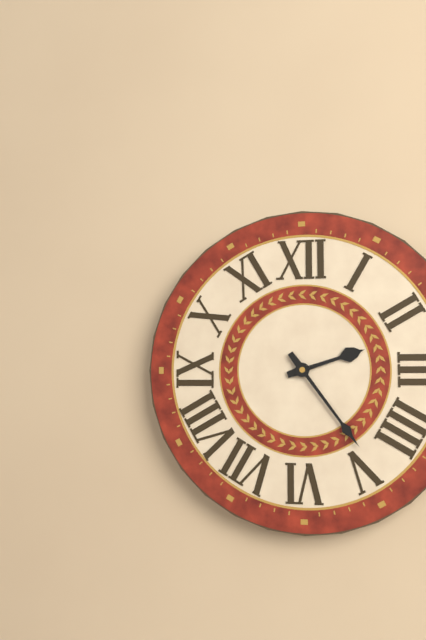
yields h=2 m=24
